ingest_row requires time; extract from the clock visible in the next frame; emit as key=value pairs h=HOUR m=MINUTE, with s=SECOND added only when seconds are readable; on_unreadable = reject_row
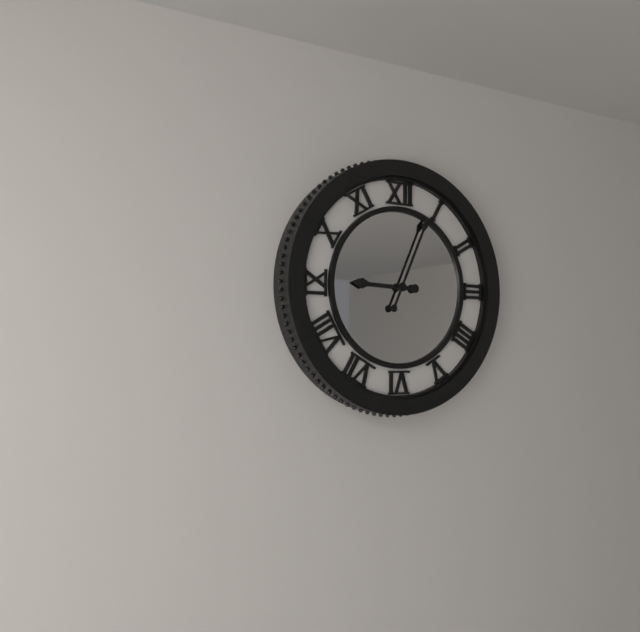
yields h=9 m=4
